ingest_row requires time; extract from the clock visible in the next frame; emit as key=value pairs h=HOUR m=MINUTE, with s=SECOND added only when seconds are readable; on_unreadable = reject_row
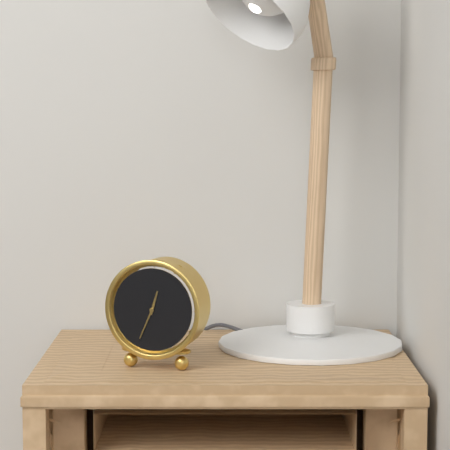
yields h=12 m=34
